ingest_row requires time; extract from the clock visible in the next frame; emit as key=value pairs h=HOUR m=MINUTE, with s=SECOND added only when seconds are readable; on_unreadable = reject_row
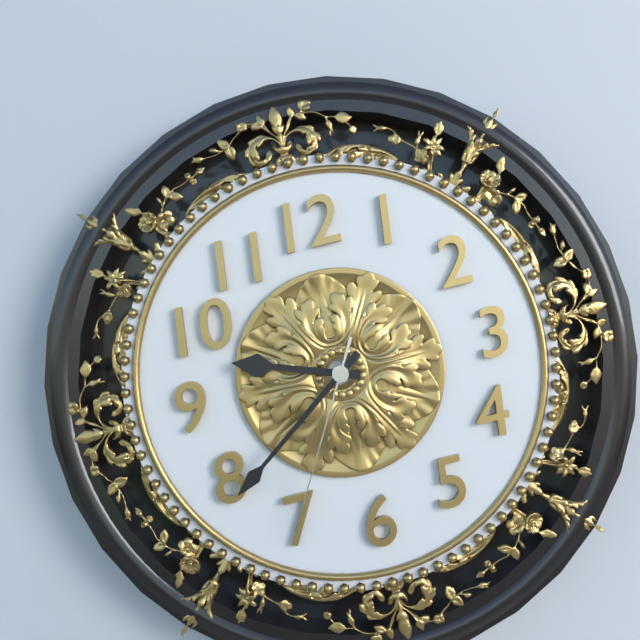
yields h=9 m=39 s=35
